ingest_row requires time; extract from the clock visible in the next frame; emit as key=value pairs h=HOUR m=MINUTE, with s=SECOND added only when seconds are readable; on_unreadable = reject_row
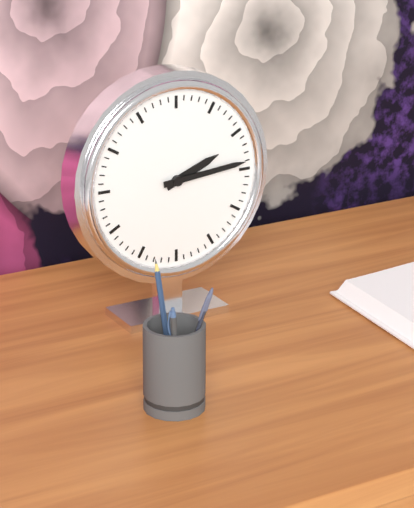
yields h=2 m=14
